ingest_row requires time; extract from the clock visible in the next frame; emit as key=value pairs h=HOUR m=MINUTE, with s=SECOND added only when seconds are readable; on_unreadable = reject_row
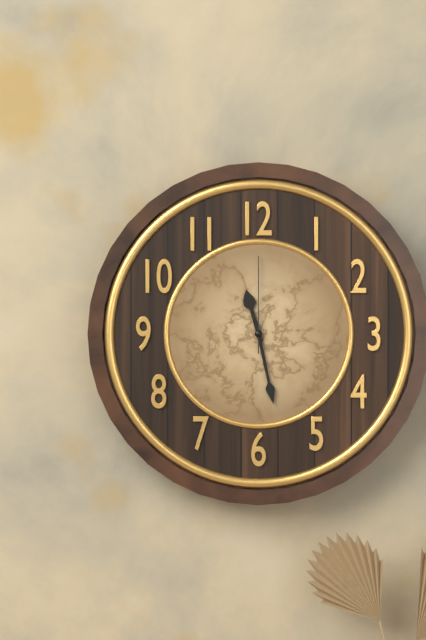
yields h=11 m=28 s=0
